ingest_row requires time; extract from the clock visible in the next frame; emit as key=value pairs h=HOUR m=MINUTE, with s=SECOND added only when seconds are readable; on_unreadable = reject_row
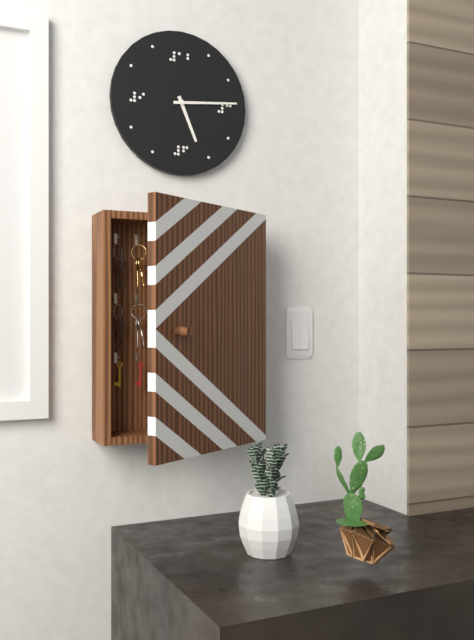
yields h=5 m=14
